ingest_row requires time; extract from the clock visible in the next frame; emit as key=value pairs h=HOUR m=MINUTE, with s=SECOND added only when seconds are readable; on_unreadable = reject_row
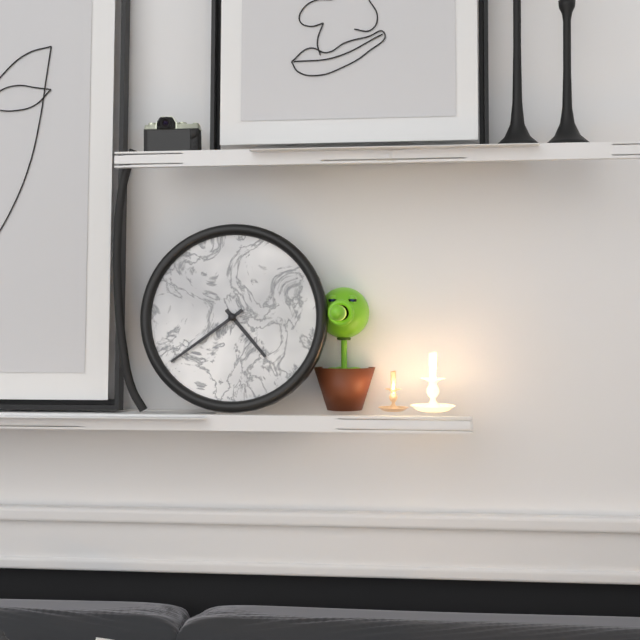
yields h=4 m=39
